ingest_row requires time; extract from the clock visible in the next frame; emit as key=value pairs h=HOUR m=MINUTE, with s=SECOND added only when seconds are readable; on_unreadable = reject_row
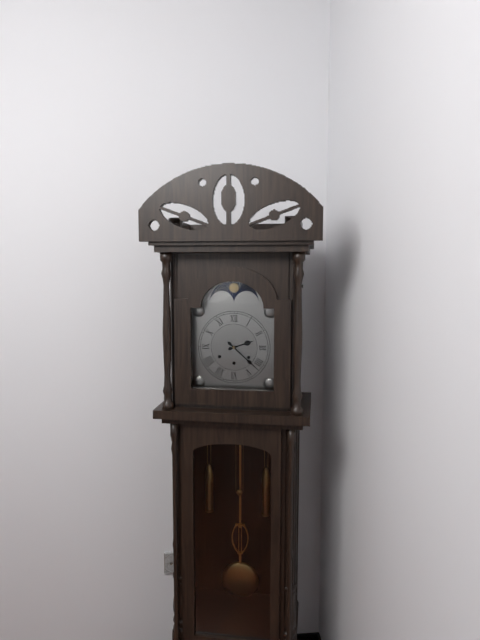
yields h=2 m=22
